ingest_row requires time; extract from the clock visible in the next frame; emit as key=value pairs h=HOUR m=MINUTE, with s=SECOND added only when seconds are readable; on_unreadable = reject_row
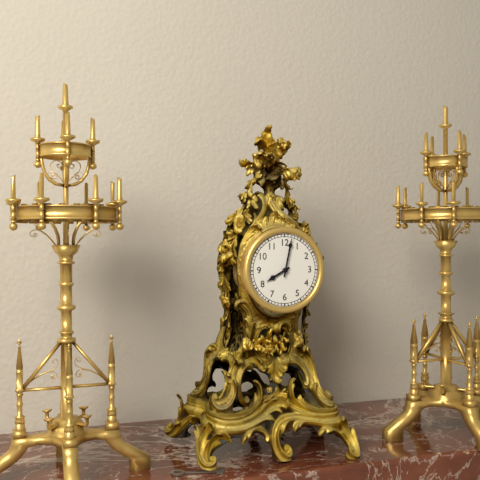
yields h=8 m=2
